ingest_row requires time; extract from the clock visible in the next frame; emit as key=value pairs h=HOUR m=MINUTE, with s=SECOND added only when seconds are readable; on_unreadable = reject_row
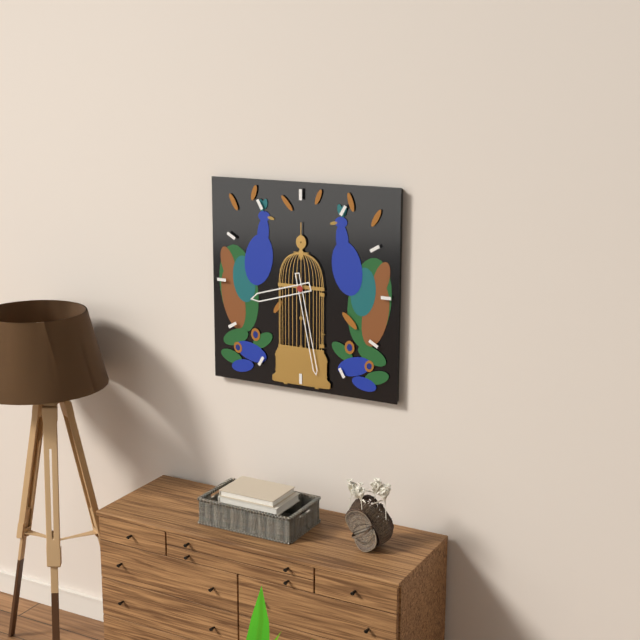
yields h=8 m=28
